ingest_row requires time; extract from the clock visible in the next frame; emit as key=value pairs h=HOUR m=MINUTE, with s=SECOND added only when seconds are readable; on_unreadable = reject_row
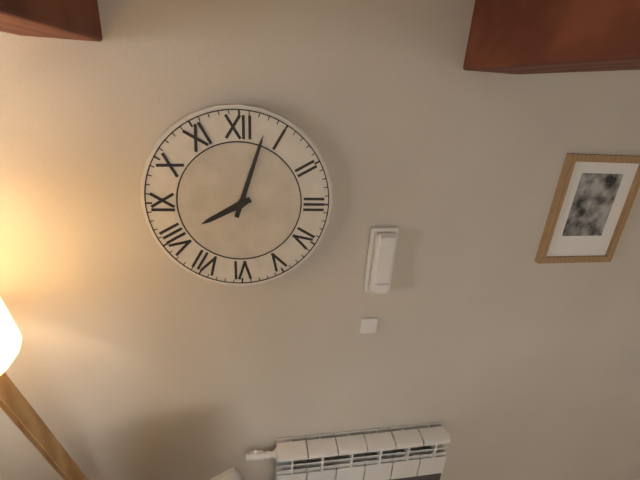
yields h=8 m=3
